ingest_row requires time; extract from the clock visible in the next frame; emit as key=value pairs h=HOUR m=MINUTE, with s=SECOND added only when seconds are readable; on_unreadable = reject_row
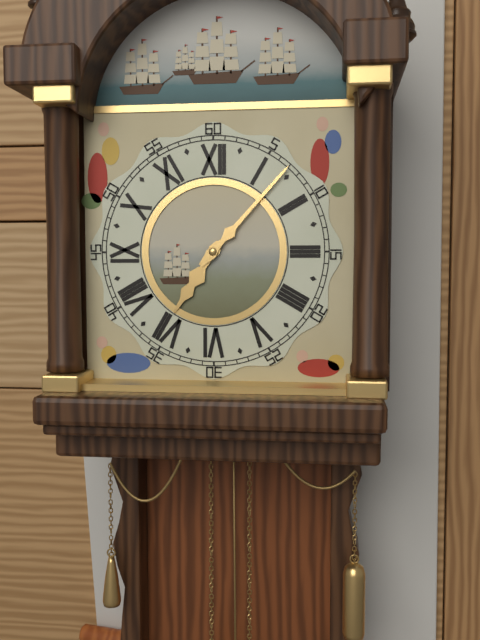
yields h=7 m=7
